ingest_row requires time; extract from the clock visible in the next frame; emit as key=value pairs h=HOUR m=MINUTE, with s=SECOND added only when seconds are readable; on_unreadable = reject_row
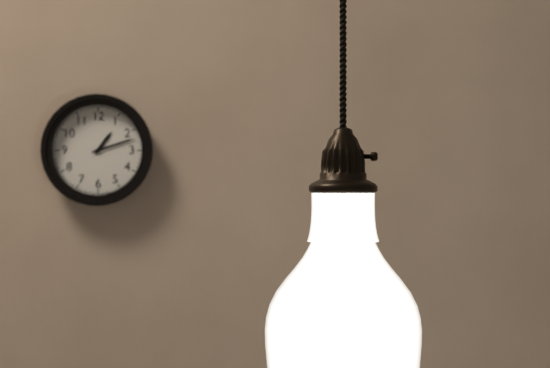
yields h=1 m=12
